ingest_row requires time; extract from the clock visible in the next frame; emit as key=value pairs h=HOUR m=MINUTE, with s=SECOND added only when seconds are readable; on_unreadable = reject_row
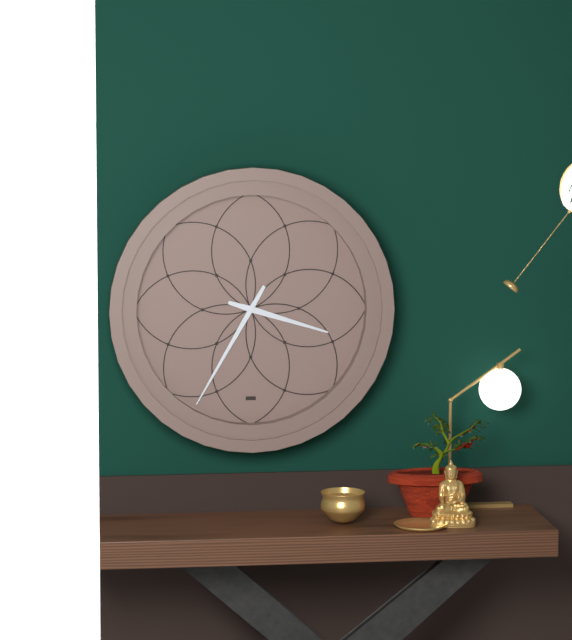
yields h=3 m=35
